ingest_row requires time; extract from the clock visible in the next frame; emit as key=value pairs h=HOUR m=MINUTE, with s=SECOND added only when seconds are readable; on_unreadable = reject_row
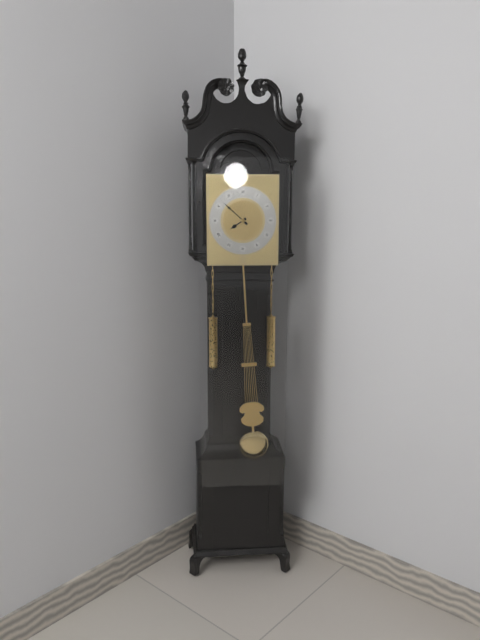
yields h=7 m=52
